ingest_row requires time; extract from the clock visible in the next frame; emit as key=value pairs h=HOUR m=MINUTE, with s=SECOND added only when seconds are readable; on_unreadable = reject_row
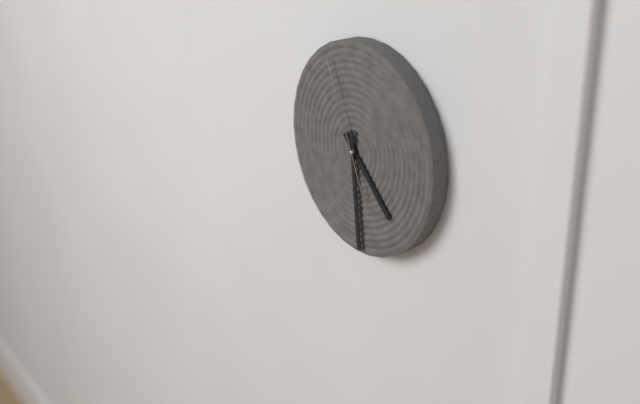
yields h=4 m=29 s=56
